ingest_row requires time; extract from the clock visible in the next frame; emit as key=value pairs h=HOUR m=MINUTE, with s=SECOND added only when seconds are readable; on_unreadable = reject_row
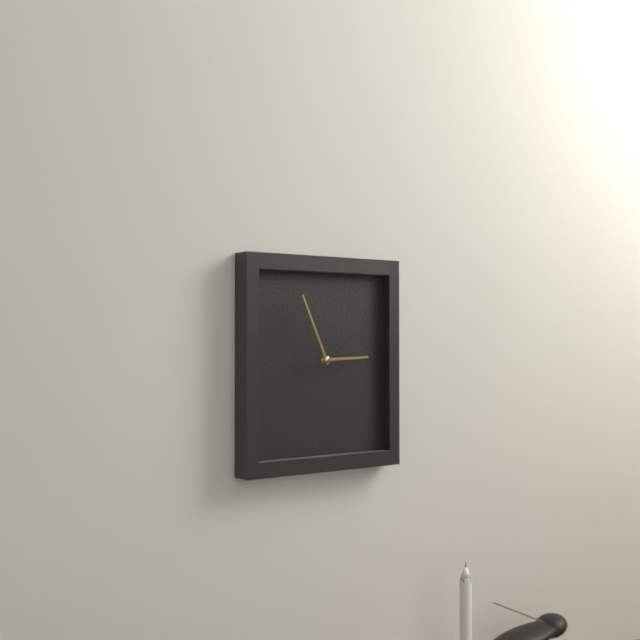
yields h=2 m=56
